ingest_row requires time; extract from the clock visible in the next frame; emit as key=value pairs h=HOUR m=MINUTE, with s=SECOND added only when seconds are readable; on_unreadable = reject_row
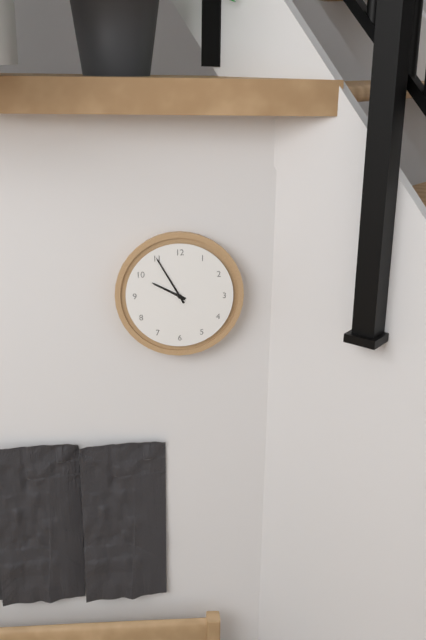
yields h=9 m=55
